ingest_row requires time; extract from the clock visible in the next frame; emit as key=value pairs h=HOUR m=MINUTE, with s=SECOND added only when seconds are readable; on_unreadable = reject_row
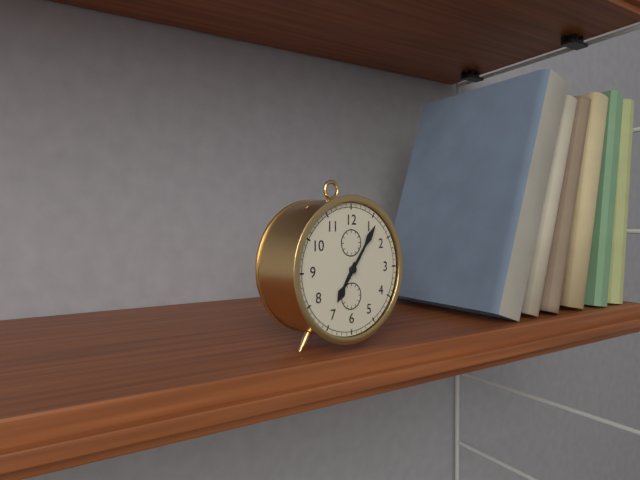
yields h=7 m=6
